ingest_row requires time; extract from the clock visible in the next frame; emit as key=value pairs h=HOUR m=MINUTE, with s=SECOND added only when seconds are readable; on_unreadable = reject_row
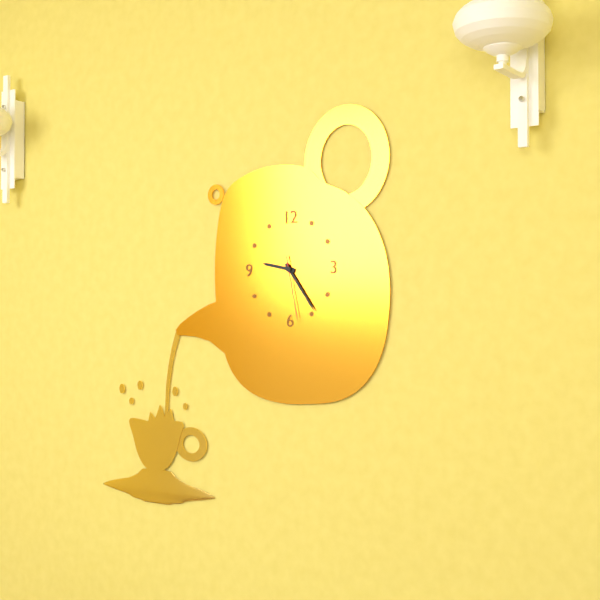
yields h=9 m=24 s=28
